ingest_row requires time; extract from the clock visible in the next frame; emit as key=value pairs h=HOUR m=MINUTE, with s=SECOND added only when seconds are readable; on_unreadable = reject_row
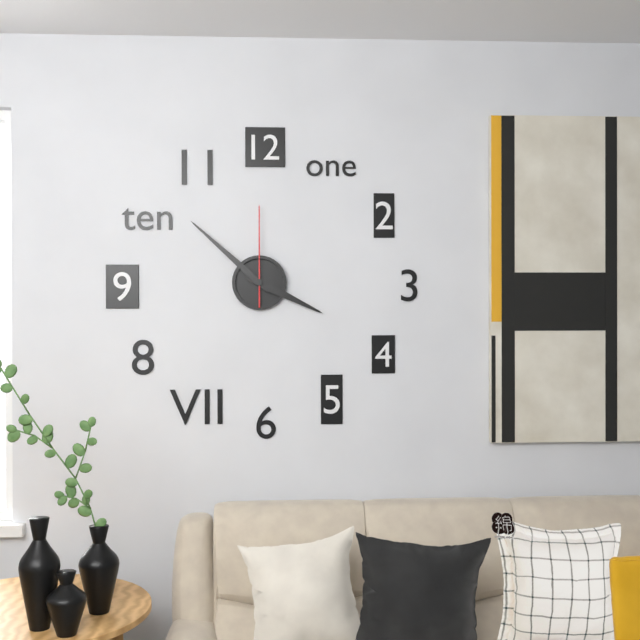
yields h=3 m=52 s=0
